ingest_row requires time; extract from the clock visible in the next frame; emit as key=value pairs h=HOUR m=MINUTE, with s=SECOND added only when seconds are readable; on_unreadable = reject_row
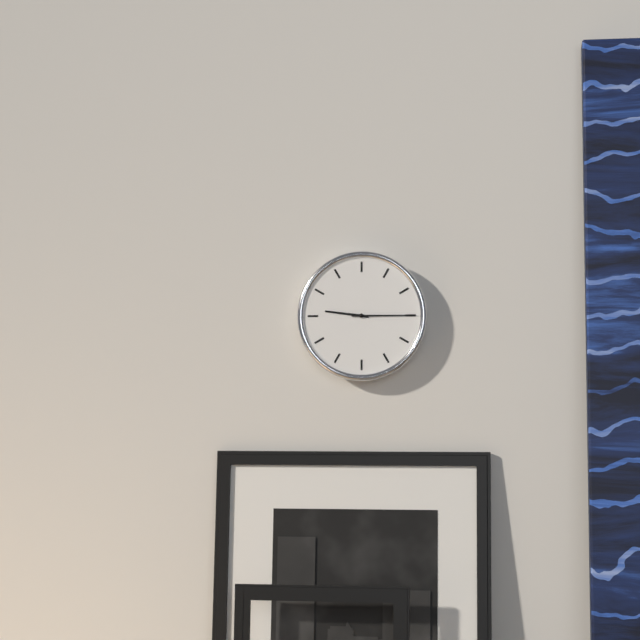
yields h=9 m=15
